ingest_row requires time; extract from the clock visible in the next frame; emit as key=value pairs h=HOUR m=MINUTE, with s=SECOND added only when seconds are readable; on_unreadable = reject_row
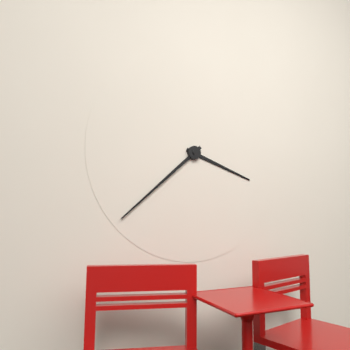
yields h=3 m=38
